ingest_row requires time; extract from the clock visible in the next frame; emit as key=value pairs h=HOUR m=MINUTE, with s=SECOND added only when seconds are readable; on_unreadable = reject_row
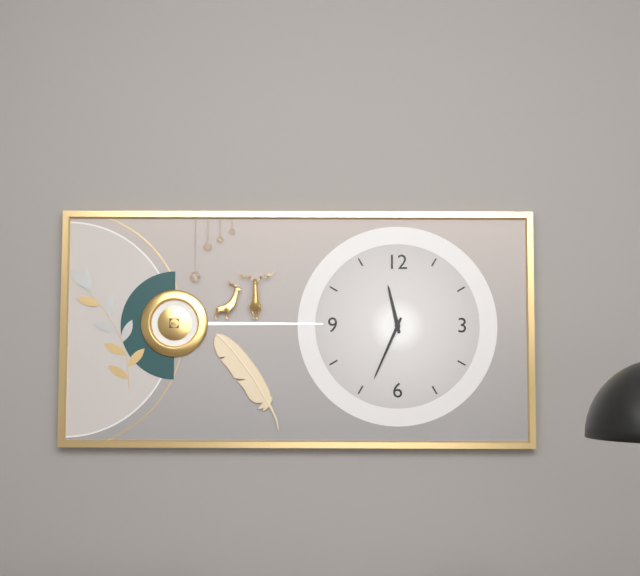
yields h=11 m=34
